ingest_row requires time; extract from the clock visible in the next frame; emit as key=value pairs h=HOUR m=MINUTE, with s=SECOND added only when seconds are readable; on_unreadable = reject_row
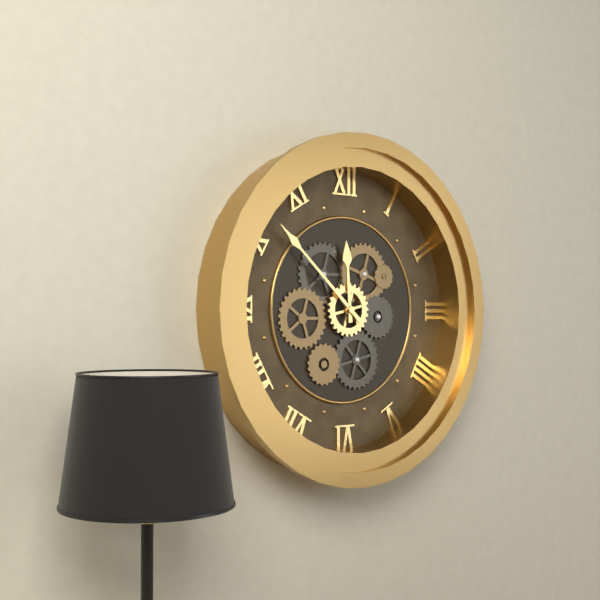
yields h=11 m=52
